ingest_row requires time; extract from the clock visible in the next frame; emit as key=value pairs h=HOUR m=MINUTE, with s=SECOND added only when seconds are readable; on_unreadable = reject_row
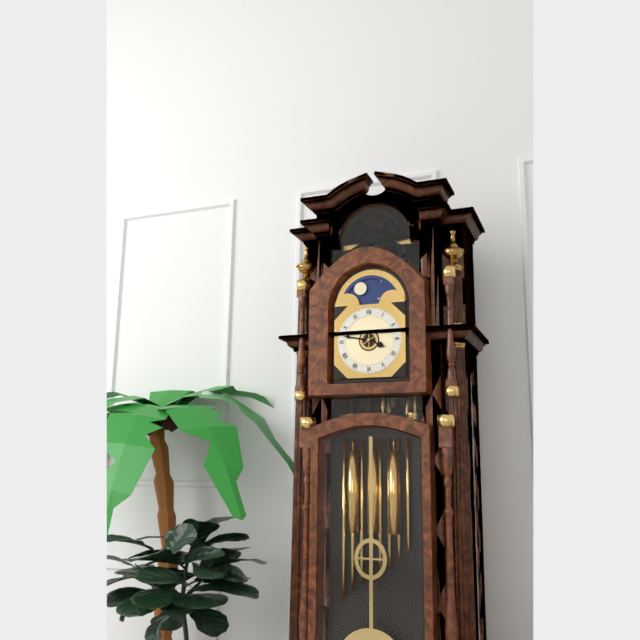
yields h=3 m=47
